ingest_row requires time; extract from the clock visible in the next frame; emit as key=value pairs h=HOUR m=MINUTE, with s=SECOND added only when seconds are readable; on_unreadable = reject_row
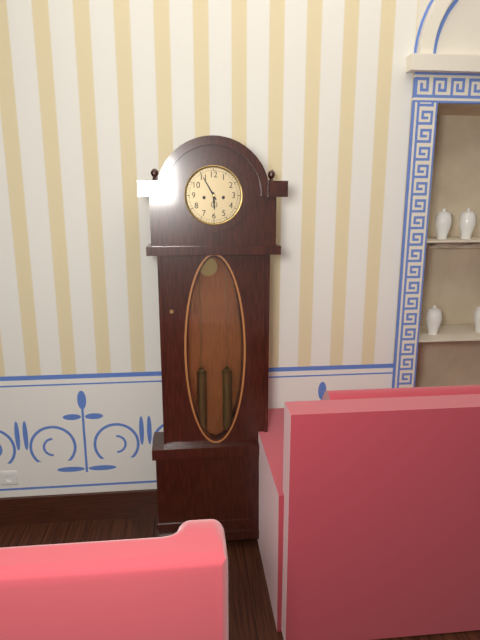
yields h=5 m=55
